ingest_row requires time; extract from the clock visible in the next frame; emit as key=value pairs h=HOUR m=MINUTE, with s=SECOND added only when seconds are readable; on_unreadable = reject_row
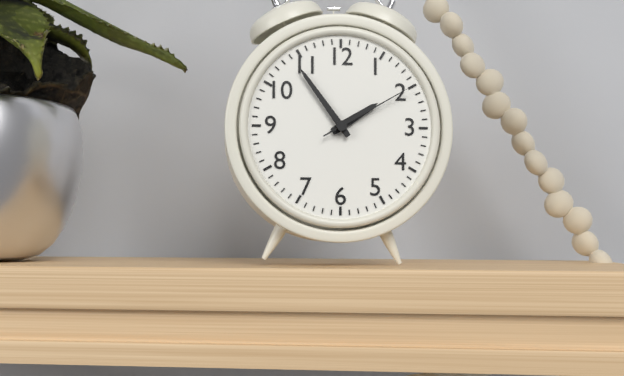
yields h=1 m=54 s=10
